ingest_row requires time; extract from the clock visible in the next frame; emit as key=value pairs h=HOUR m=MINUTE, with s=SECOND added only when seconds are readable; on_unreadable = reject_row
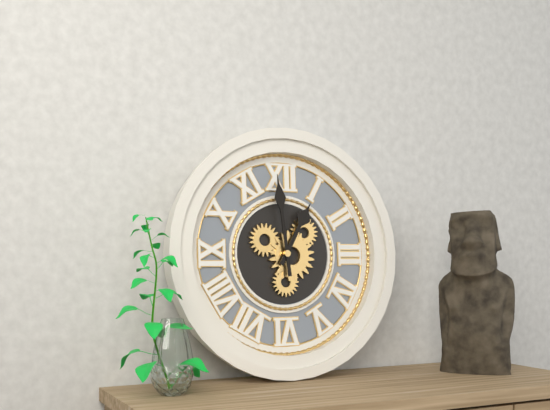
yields h=12 m=59
